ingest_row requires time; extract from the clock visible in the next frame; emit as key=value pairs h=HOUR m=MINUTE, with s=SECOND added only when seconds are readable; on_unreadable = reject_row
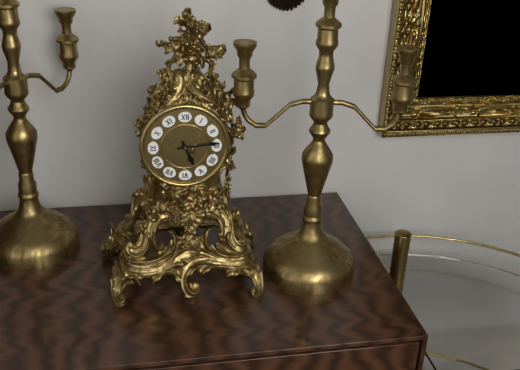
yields h=5 m=14
